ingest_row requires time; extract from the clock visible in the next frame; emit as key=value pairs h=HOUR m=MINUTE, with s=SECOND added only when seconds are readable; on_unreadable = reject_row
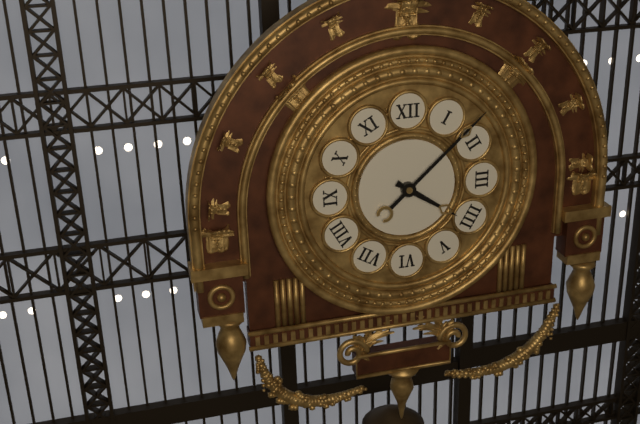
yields h=4 m=8
